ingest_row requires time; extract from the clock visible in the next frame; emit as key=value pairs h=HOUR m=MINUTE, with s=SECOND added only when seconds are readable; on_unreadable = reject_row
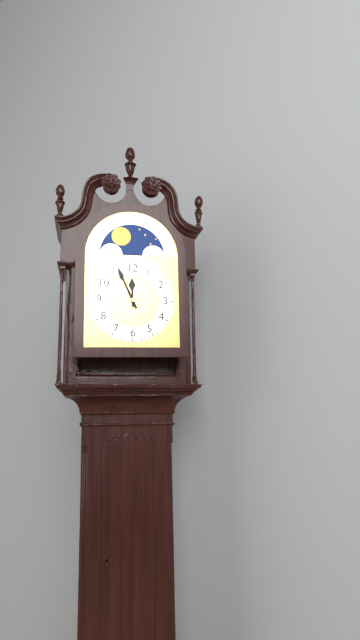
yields h=11 m=56
